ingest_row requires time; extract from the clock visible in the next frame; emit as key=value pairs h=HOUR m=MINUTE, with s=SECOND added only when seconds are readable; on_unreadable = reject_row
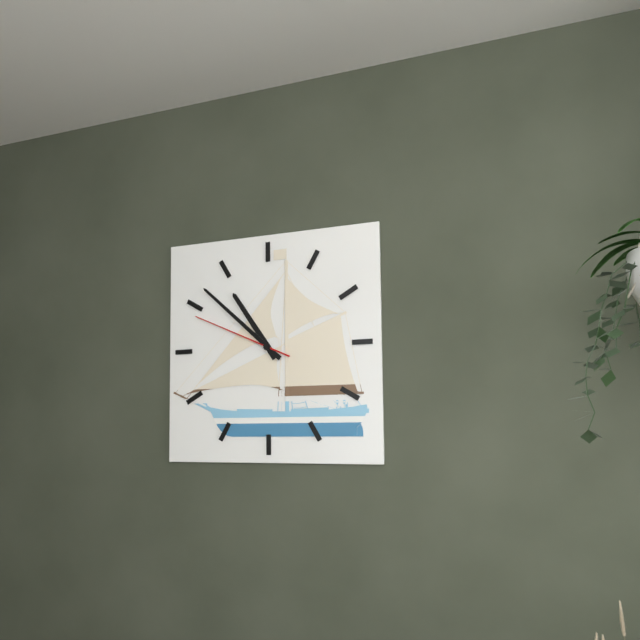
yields h=10 m=52 s=49
